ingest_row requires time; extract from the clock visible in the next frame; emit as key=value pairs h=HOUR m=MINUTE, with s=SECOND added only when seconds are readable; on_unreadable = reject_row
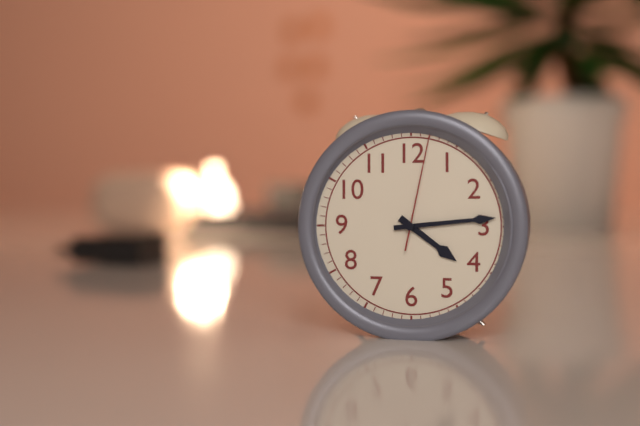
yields h=4 m=14 s=2
